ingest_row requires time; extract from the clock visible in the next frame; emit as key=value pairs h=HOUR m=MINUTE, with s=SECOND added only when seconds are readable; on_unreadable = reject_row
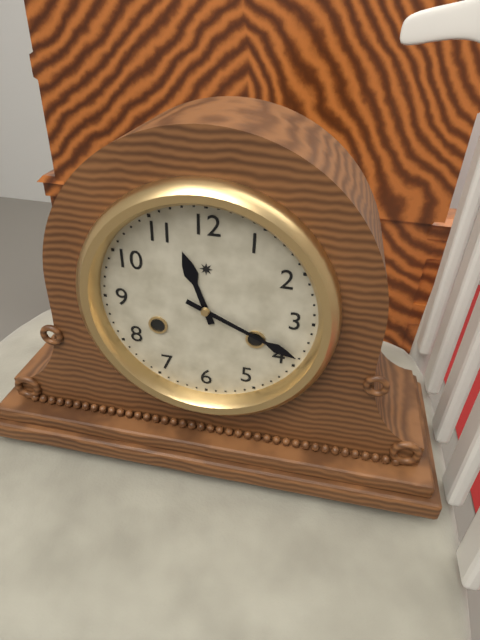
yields h=11 m=19
